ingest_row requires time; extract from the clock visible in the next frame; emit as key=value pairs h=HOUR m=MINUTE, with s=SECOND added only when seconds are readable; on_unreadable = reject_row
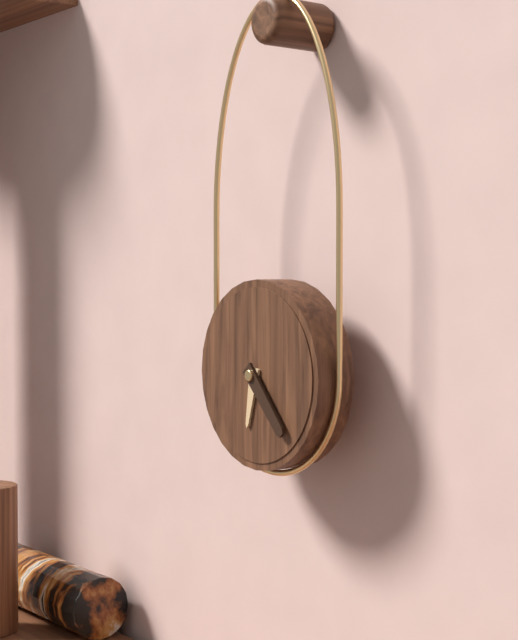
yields h=6 m=23
